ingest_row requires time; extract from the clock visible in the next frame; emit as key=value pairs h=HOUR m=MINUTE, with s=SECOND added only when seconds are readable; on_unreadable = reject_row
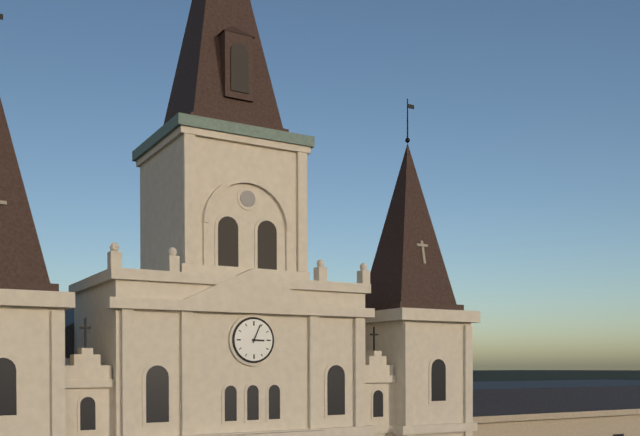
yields h=3 m=4
